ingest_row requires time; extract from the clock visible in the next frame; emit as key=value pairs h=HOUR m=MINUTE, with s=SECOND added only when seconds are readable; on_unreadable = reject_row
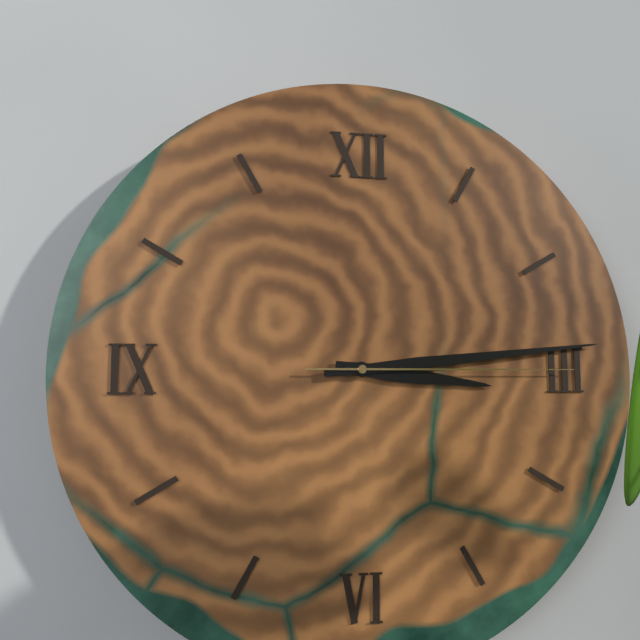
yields h=3 m=14 s=15
